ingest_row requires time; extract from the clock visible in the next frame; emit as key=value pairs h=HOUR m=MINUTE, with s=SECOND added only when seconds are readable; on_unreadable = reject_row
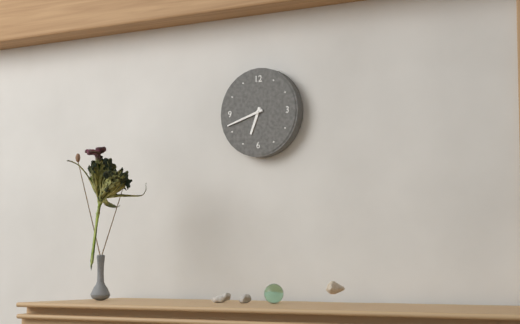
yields h=6 m=42
